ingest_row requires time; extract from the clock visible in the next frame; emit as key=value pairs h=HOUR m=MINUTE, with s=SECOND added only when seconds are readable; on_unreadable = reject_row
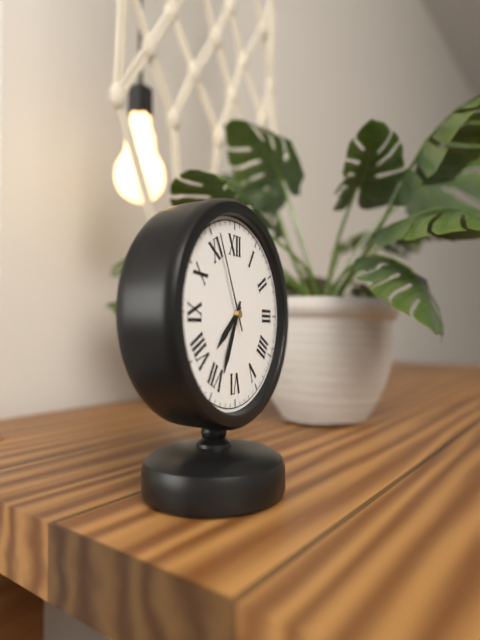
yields h=7 m=34 s=56
